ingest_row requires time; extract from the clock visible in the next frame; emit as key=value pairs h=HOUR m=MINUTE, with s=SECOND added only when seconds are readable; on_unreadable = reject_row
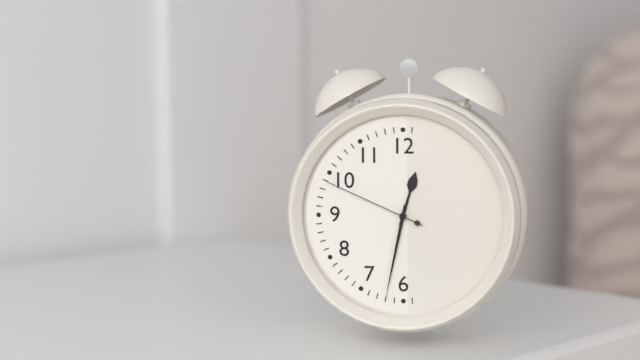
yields h=12 m=32 s=49
